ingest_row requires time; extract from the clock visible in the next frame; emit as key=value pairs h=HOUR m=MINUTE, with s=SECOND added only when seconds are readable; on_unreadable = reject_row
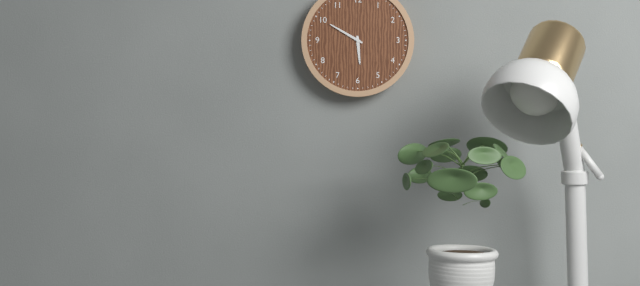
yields h=5 m=50
